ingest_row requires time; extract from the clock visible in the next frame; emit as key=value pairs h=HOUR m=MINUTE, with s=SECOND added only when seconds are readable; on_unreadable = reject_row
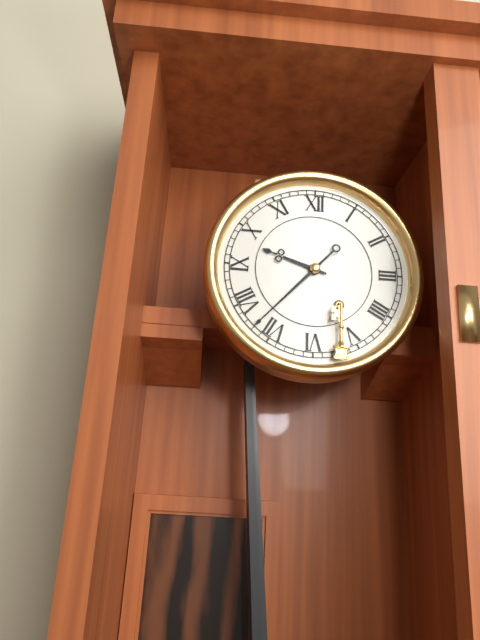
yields h=9 m=37
